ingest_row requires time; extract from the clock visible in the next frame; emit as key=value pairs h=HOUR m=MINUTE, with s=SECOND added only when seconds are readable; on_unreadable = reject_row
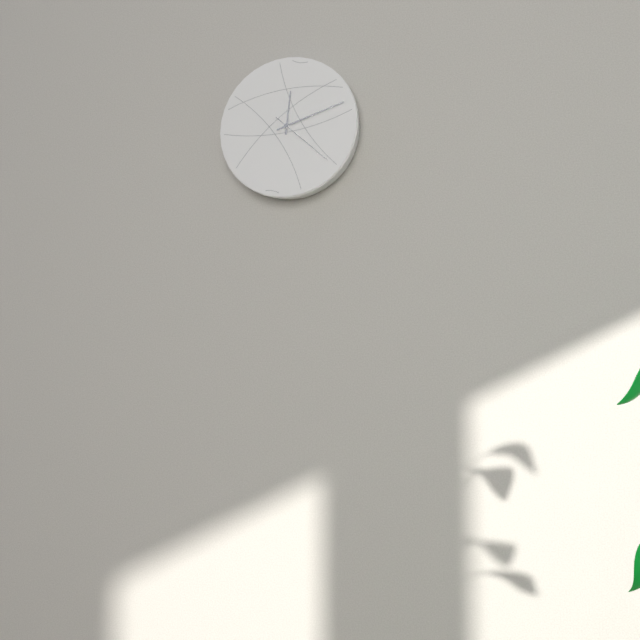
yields h=12 m=12 s=22
